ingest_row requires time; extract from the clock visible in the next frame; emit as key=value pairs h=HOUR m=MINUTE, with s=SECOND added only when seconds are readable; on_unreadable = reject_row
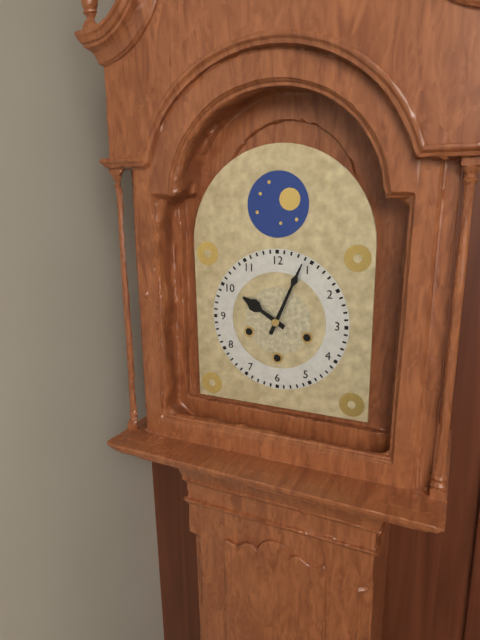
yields h=10 m=4
